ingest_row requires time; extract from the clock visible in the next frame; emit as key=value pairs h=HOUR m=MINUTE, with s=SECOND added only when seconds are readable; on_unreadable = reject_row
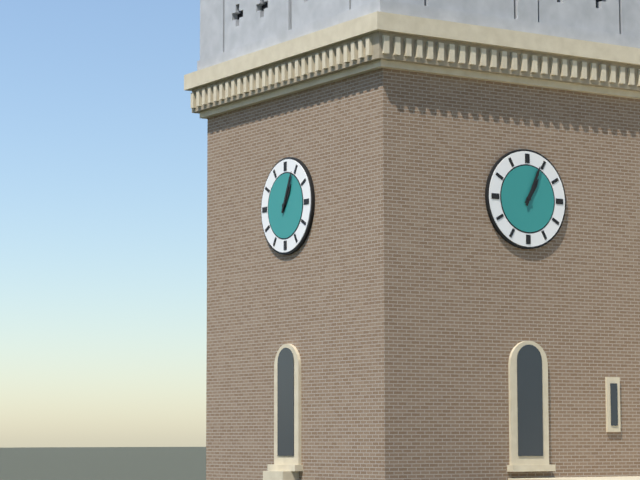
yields h=1 m=4
